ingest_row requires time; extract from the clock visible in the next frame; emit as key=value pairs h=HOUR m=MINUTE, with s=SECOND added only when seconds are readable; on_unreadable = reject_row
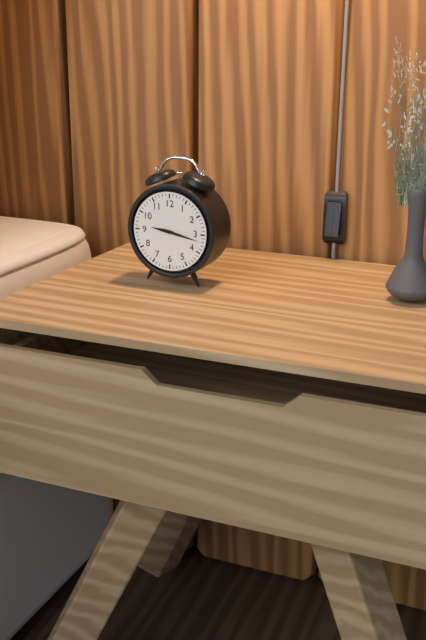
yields h=9 m=17
